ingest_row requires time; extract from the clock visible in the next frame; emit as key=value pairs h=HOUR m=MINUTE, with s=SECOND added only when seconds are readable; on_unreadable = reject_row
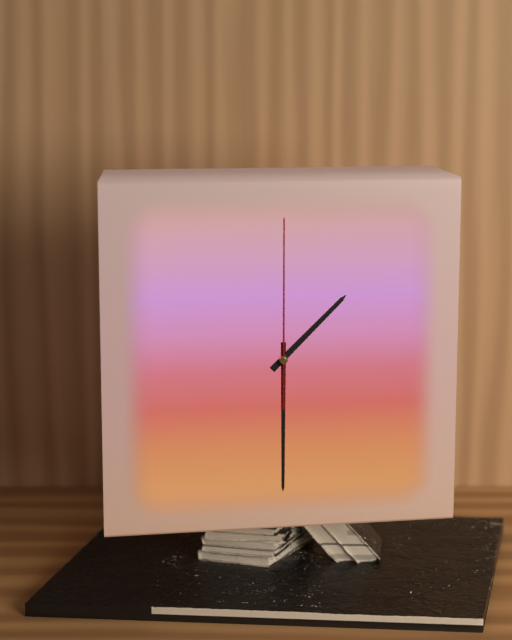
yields h=1 m=30 s=0
